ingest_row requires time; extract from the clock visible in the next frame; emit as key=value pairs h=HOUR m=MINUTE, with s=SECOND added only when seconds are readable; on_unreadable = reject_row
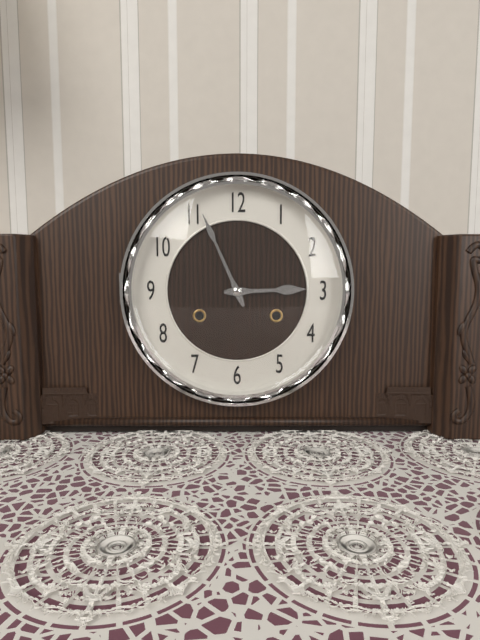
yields h=2 m=56
